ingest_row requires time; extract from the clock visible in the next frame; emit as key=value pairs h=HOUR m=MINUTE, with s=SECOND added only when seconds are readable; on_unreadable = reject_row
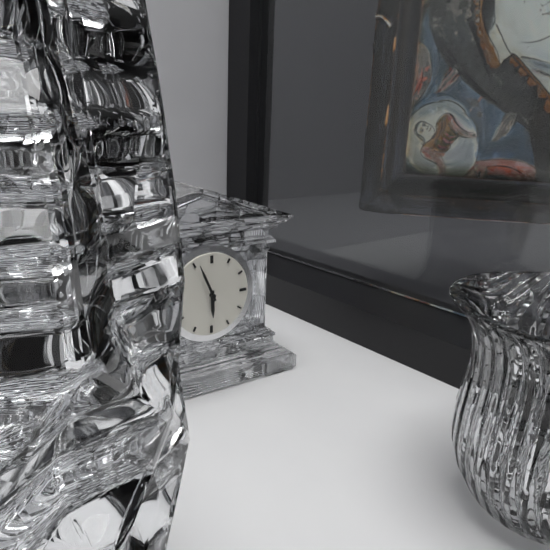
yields h=5 m=56
